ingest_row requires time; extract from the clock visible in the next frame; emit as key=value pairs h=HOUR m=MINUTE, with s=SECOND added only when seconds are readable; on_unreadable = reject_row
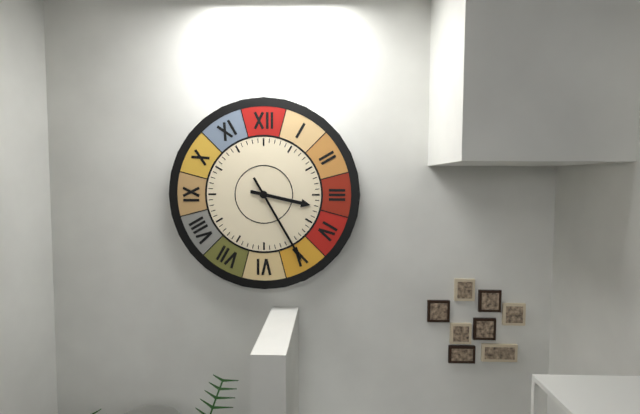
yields h=3 m=25
